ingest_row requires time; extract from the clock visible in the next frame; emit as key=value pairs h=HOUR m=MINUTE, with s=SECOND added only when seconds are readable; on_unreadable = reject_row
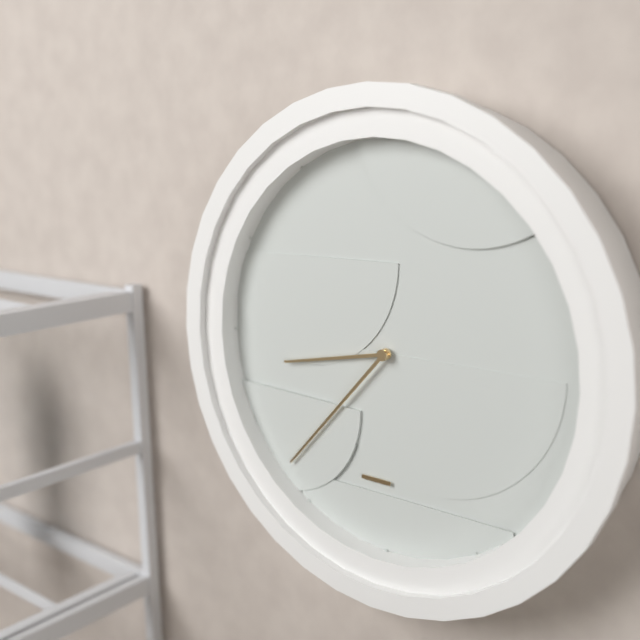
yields h=8 m=37
